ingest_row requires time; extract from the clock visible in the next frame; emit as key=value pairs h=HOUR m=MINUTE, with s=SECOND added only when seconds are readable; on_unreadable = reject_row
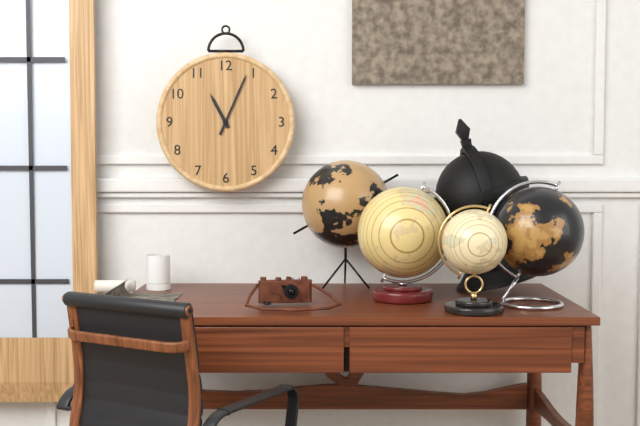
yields h=11 m=4
